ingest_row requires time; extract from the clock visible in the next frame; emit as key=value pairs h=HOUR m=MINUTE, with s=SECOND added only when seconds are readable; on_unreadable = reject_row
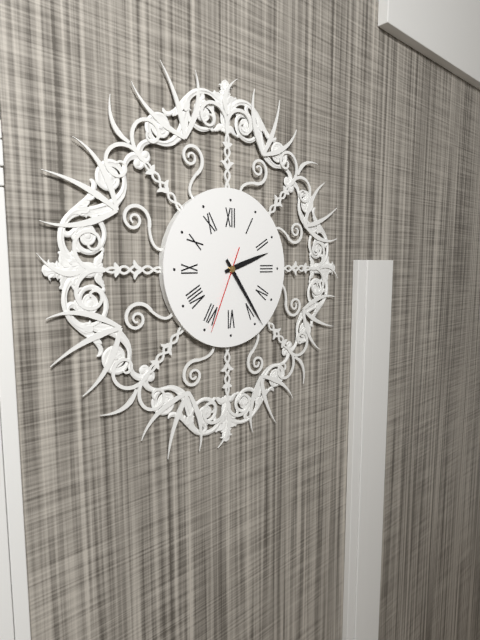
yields h=2 m=24 s=34
